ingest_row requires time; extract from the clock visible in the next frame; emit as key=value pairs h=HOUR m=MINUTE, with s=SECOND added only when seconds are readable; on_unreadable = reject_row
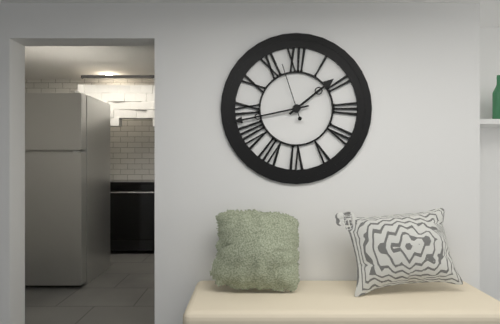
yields h=1 m=43 s=57
